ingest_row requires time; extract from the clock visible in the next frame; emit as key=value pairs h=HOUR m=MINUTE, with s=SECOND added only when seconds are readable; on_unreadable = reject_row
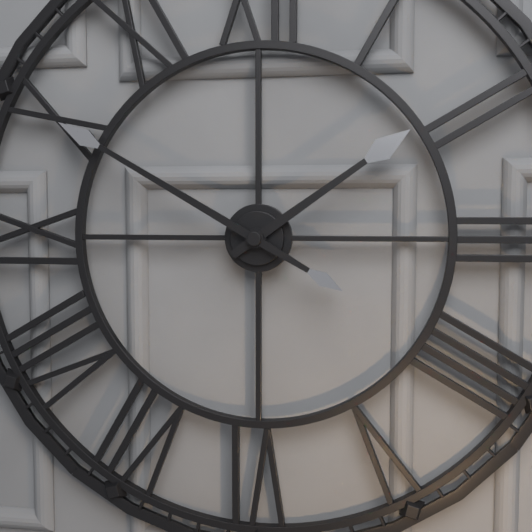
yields h=1 m=50
